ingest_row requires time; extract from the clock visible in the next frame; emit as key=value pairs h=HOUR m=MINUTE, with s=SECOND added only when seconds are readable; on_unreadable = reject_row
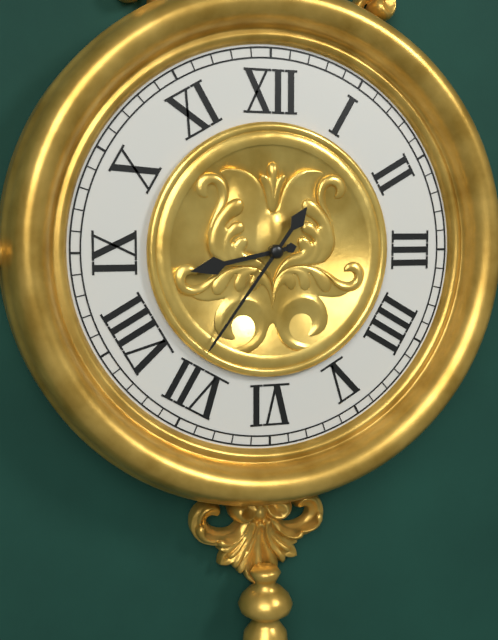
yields h=8 m=36
